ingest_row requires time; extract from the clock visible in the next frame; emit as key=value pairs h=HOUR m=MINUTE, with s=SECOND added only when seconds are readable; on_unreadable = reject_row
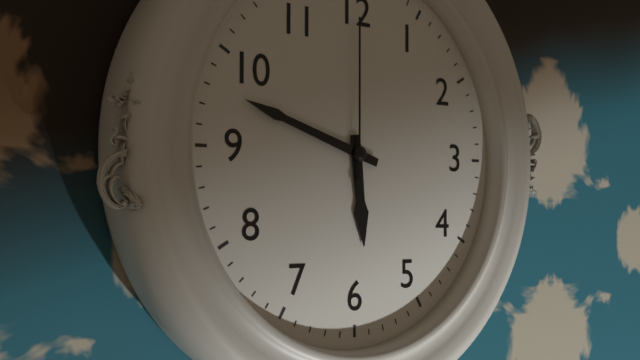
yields h=5 m=48 s=0
